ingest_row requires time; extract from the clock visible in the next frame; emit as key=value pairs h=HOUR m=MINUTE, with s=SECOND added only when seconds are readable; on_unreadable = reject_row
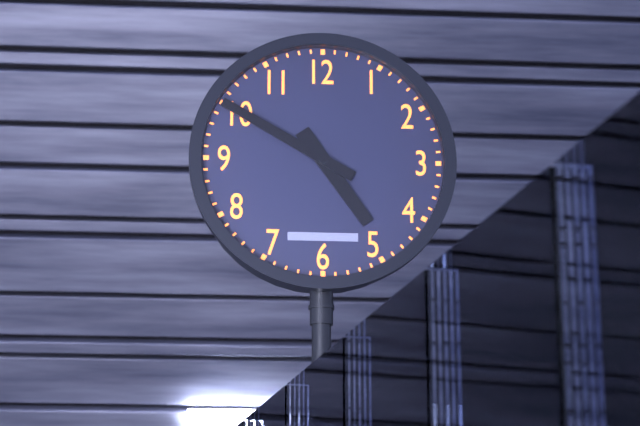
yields h=4 m=50
